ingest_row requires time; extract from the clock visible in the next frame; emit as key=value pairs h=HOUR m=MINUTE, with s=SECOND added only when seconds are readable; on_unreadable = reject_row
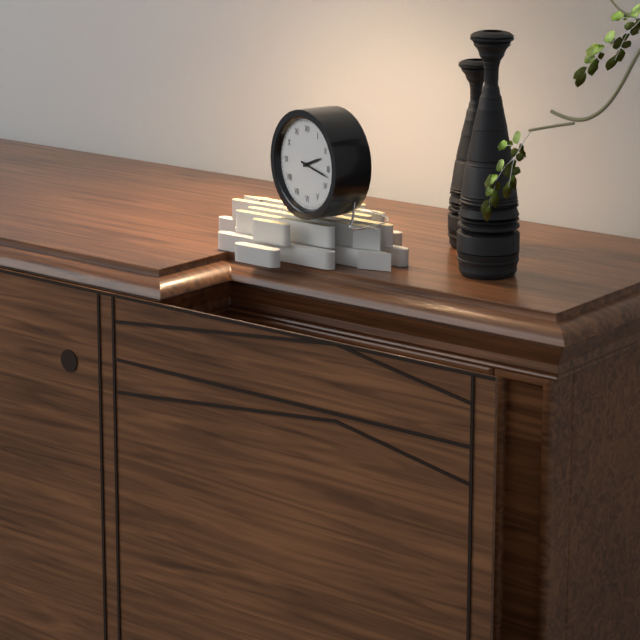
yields h=2 m=17
